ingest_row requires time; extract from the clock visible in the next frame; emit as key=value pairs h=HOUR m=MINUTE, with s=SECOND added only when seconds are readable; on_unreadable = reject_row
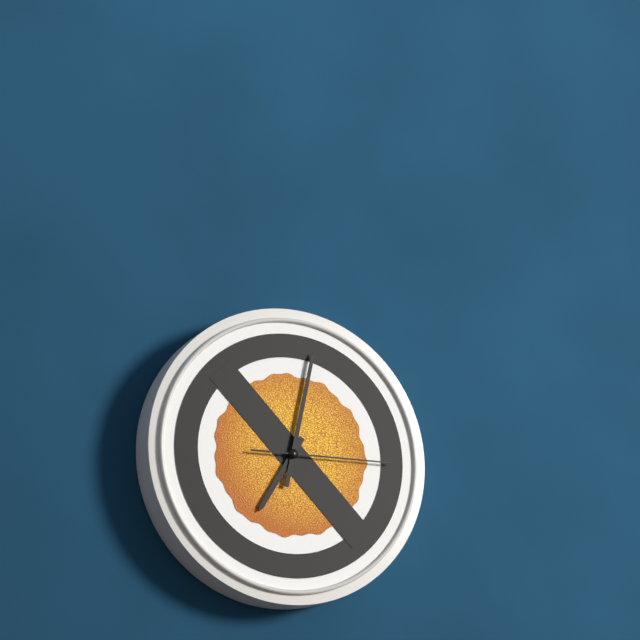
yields h=7 m=2 s=15
